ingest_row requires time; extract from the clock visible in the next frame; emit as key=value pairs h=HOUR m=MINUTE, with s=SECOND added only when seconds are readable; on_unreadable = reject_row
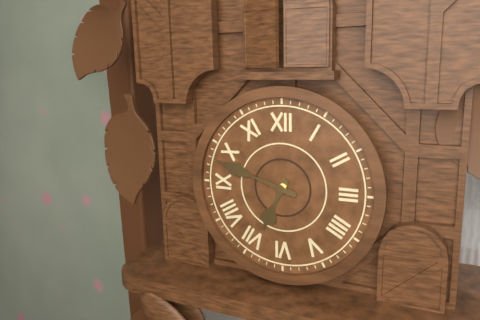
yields h=6 m=48
